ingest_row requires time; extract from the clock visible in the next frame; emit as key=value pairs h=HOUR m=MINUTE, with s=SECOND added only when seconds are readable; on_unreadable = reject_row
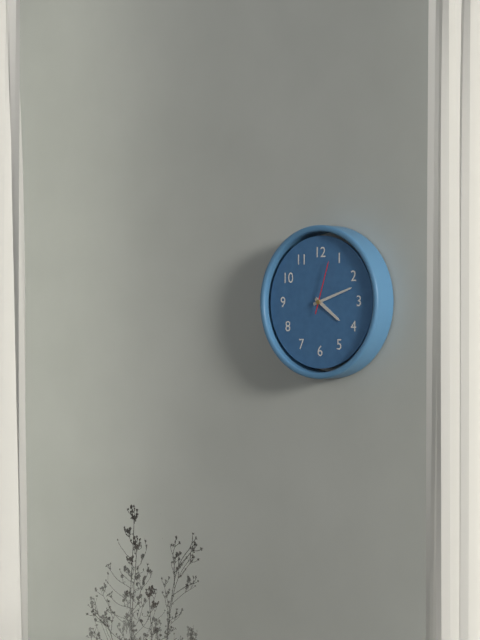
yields h=4 m=12 s=3
